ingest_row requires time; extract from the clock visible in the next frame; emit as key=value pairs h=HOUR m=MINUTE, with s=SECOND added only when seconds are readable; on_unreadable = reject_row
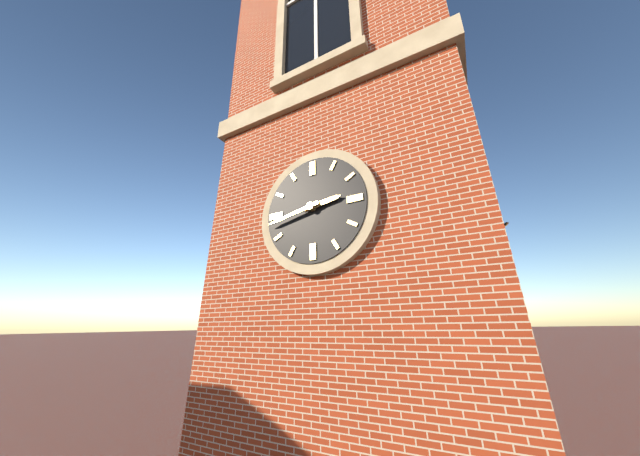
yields h=2 m=43
